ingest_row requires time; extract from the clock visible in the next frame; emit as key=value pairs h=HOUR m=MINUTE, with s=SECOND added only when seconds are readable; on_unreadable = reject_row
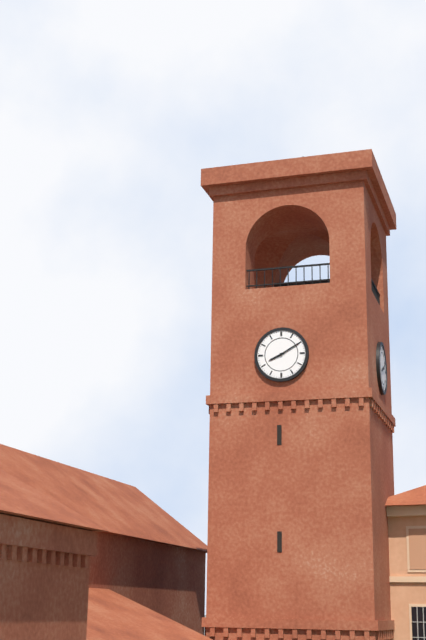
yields h=8 m=10
